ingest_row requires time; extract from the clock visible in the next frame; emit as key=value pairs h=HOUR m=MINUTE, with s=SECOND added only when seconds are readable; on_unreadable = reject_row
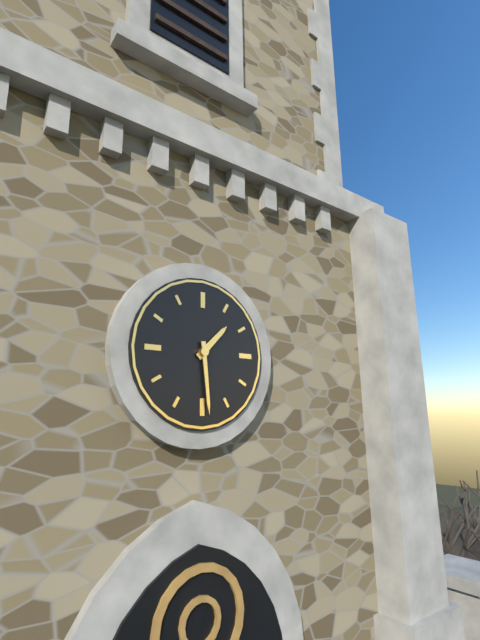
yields h=1 m=29
